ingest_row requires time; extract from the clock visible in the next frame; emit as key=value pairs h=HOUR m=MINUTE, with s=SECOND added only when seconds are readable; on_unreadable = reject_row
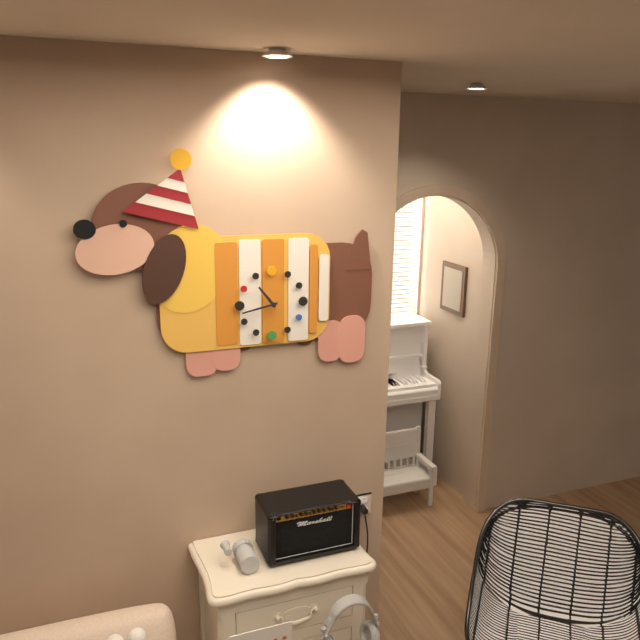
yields h=10 m=43
